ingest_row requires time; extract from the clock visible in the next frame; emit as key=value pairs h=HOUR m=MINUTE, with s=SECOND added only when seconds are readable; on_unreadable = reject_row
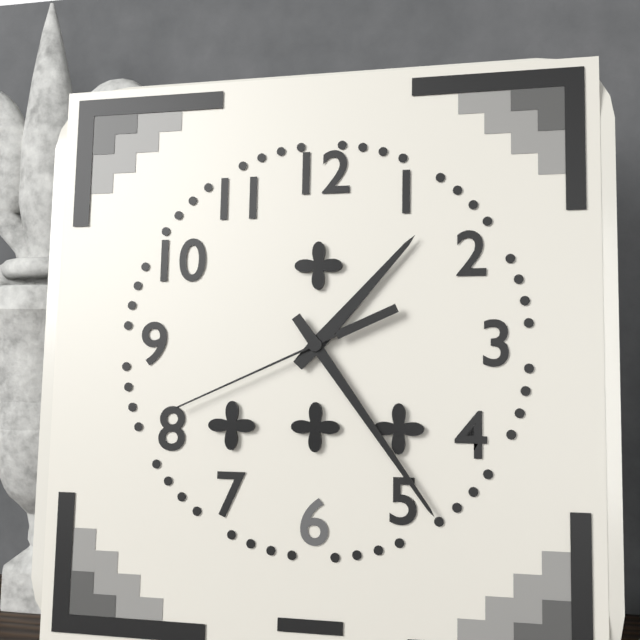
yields h=1 m=24 s=41
